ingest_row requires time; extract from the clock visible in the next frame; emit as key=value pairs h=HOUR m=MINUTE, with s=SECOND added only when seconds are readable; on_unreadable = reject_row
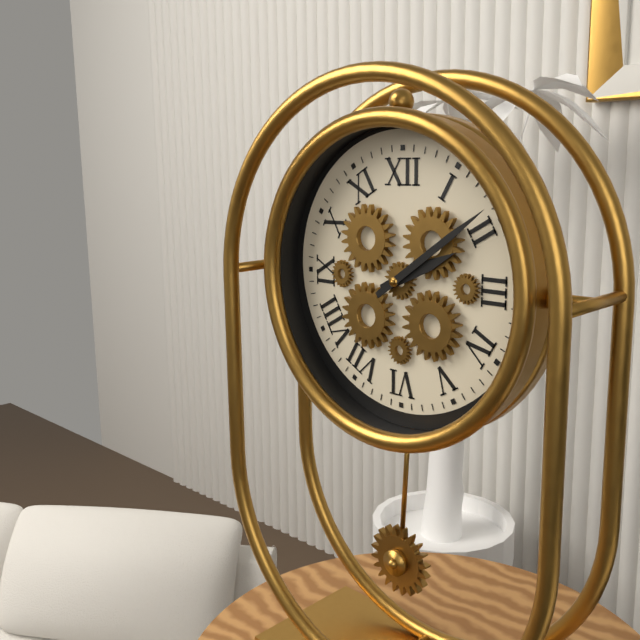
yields h=2 m=9
